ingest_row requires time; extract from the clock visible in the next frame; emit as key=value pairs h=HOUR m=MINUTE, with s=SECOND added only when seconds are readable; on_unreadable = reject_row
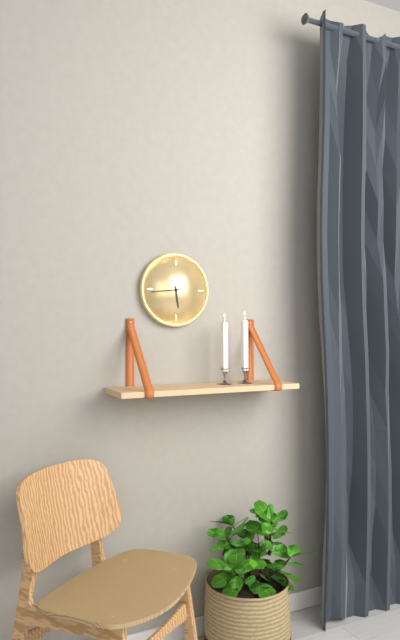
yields h=5 m=44
